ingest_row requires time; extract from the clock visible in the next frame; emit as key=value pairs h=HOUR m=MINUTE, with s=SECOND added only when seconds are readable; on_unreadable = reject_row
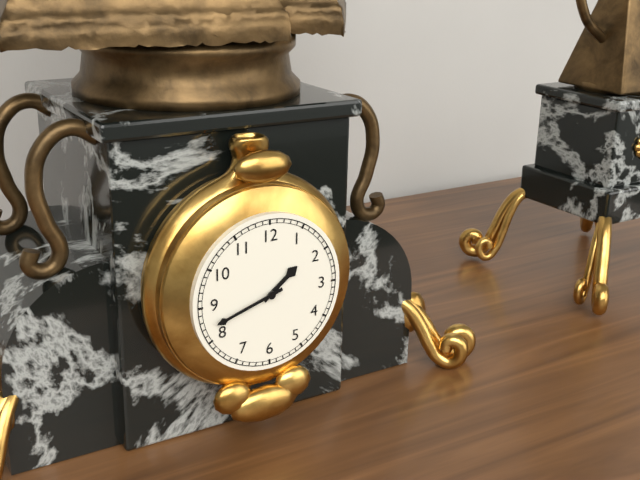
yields h=1 m=42
